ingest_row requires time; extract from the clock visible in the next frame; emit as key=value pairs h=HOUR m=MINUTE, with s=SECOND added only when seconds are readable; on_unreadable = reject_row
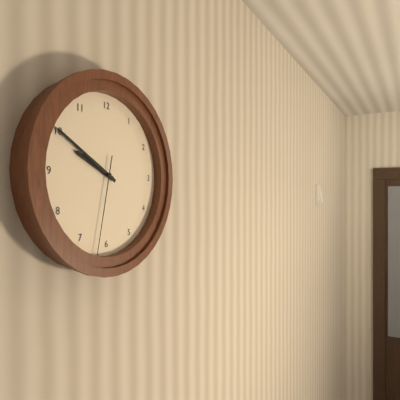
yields h=9 m=50 s=32
